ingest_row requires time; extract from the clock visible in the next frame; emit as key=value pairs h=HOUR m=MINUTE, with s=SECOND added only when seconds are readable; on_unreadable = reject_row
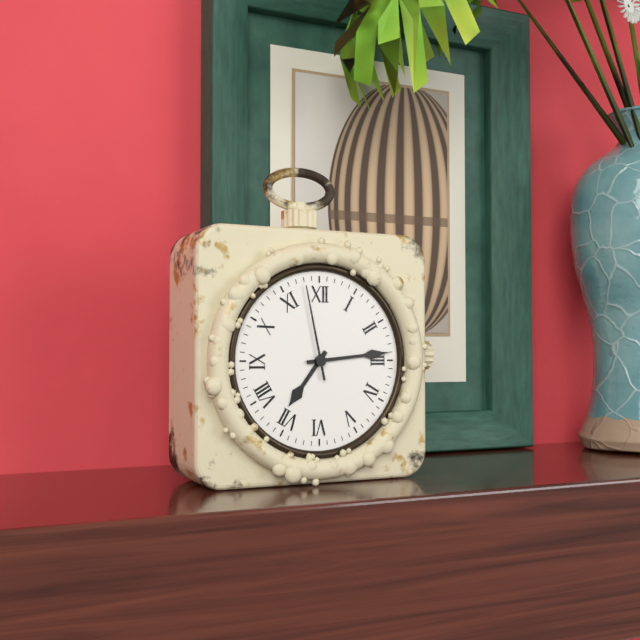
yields h=7 m=14 s=58
